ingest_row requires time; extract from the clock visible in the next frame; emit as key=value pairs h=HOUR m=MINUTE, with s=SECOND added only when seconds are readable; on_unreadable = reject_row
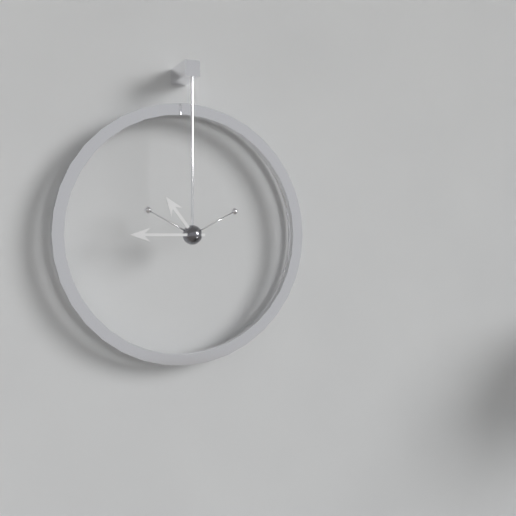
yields h=10 m=45
